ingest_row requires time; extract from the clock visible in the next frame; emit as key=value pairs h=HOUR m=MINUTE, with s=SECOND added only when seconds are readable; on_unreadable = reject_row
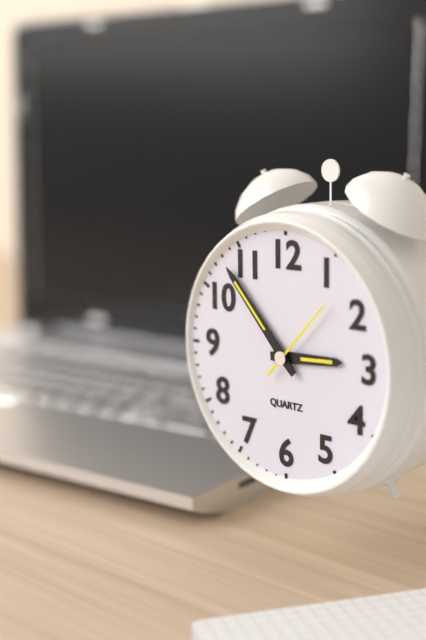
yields h=2 m=53 s=7
